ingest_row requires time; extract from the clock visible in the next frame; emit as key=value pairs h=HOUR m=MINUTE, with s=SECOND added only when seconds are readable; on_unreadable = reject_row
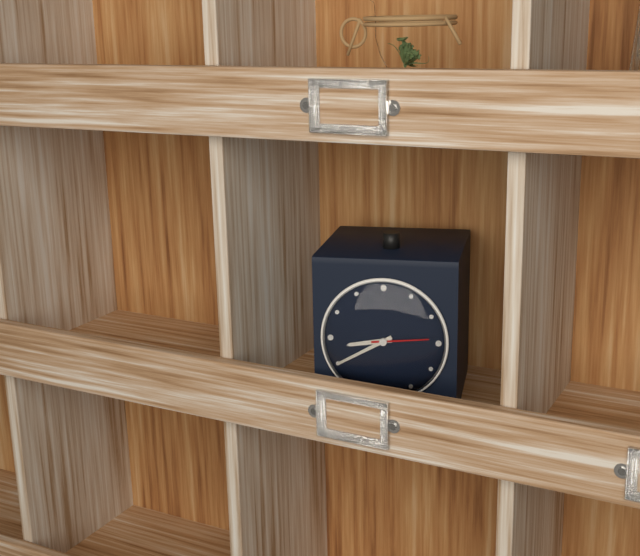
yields h=8 m=40 s=14
